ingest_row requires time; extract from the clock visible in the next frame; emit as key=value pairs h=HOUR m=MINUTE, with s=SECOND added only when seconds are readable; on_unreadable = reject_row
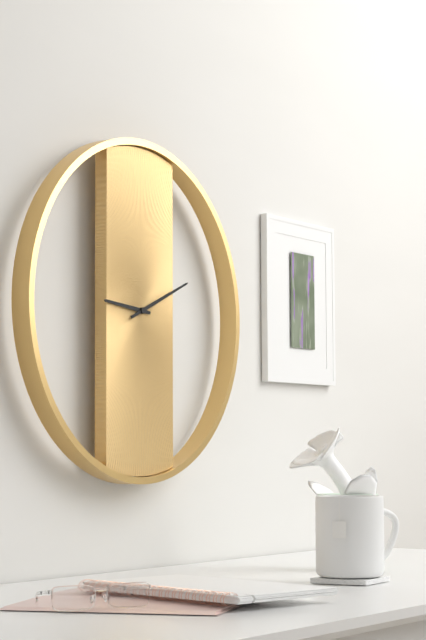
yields h=9 m=11
